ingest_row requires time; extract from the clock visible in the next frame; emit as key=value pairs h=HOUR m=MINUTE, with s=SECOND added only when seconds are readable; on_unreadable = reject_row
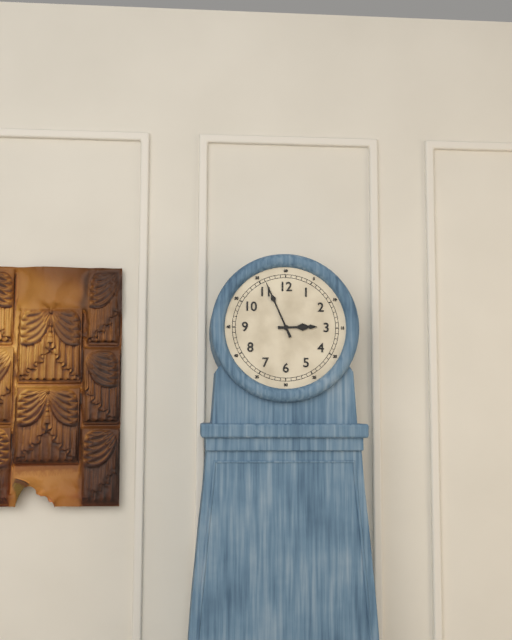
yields h=2 m=56
